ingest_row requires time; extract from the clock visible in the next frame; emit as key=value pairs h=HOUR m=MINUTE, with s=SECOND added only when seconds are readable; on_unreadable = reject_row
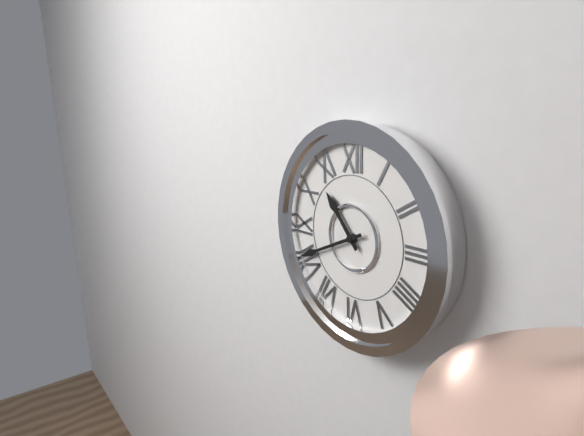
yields h=10 m=41
